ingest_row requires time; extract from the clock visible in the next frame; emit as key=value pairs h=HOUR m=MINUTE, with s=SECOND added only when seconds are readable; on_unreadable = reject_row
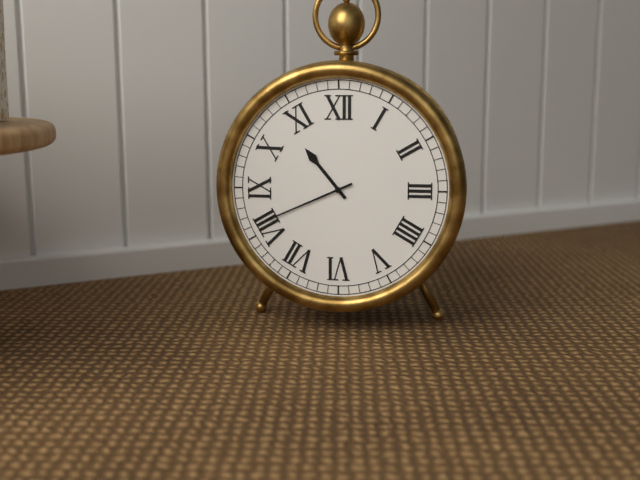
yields h=10 m=41
